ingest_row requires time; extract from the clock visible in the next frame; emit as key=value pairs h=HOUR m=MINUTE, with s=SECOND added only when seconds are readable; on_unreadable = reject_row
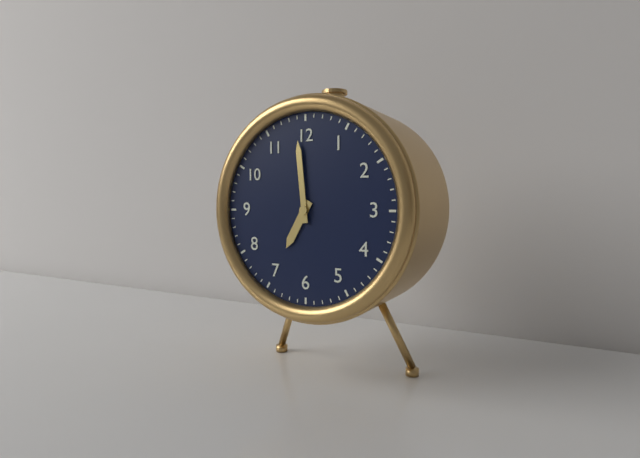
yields h=6 m=59
